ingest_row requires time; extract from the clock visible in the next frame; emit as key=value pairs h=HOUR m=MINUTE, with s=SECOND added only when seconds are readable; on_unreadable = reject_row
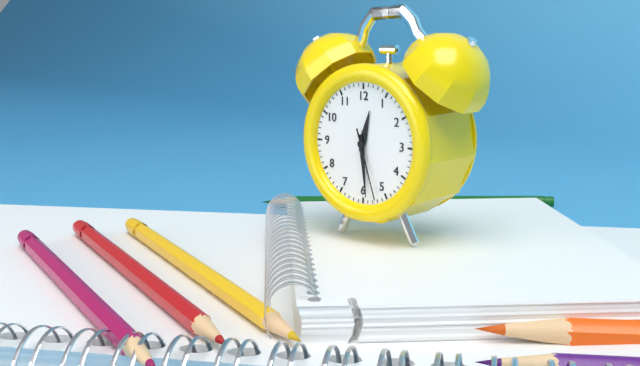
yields h=12 m=29 s=27
